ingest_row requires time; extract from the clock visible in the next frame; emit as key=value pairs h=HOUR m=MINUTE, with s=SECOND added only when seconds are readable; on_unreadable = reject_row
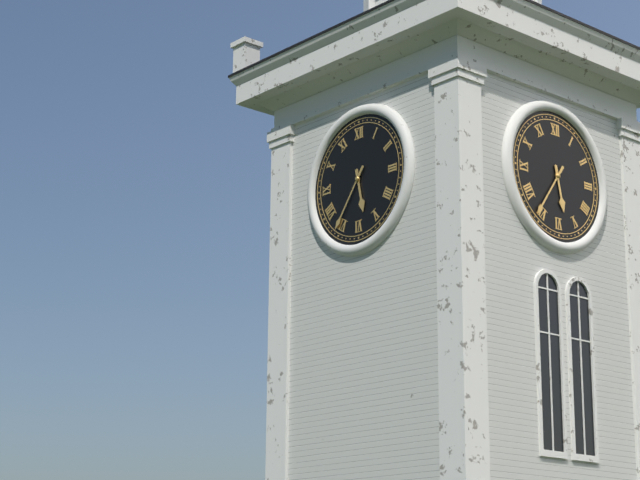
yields h=5 m=36
